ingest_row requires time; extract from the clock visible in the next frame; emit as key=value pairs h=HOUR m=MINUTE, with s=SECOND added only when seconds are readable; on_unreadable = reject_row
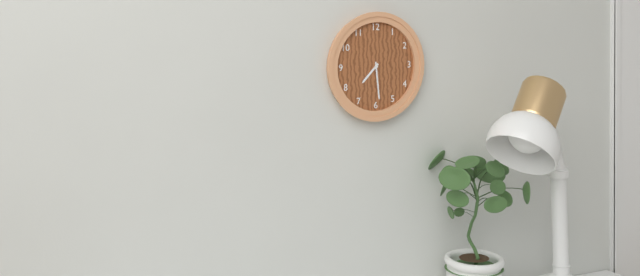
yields h=7 m=29
